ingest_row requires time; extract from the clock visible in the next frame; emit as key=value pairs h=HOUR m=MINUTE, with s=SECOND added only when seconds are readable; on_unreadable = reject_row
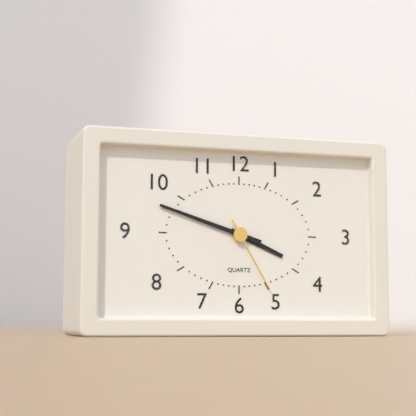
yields h=3 m=48 s=25
